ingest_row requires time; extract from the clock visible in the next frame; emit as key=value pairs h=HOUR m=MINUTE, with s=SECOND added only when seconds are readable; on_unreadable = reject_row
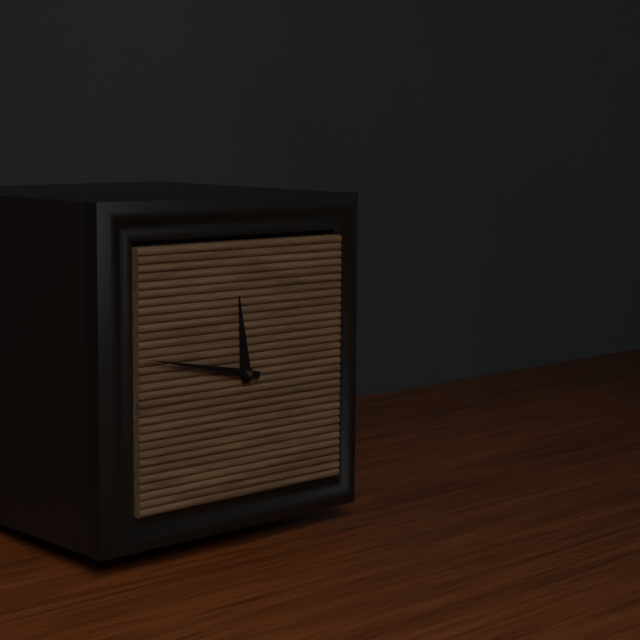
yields h=11 m=47
